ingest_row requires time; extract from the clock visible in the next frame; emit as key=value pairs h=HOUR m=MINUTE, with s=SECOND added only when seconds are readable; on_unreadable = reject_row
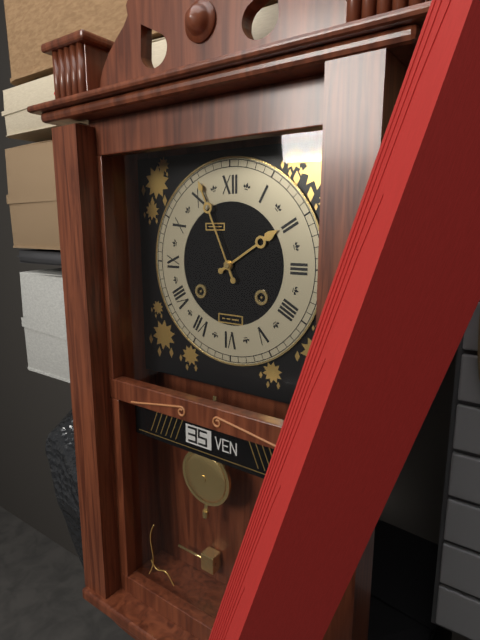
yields h=1 m=56
